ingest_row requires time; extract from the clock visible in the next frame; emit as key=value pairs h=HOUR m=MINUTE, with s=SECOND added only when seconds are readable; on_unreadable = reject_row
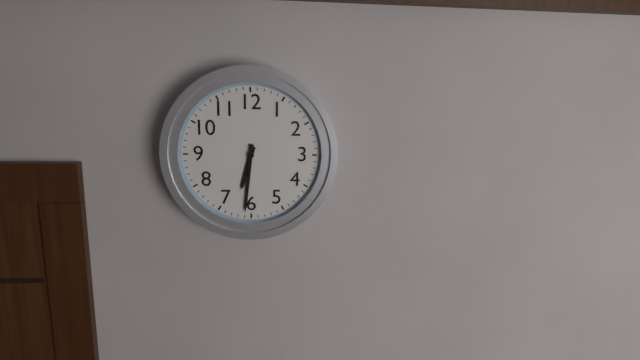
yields h=6 m=31
